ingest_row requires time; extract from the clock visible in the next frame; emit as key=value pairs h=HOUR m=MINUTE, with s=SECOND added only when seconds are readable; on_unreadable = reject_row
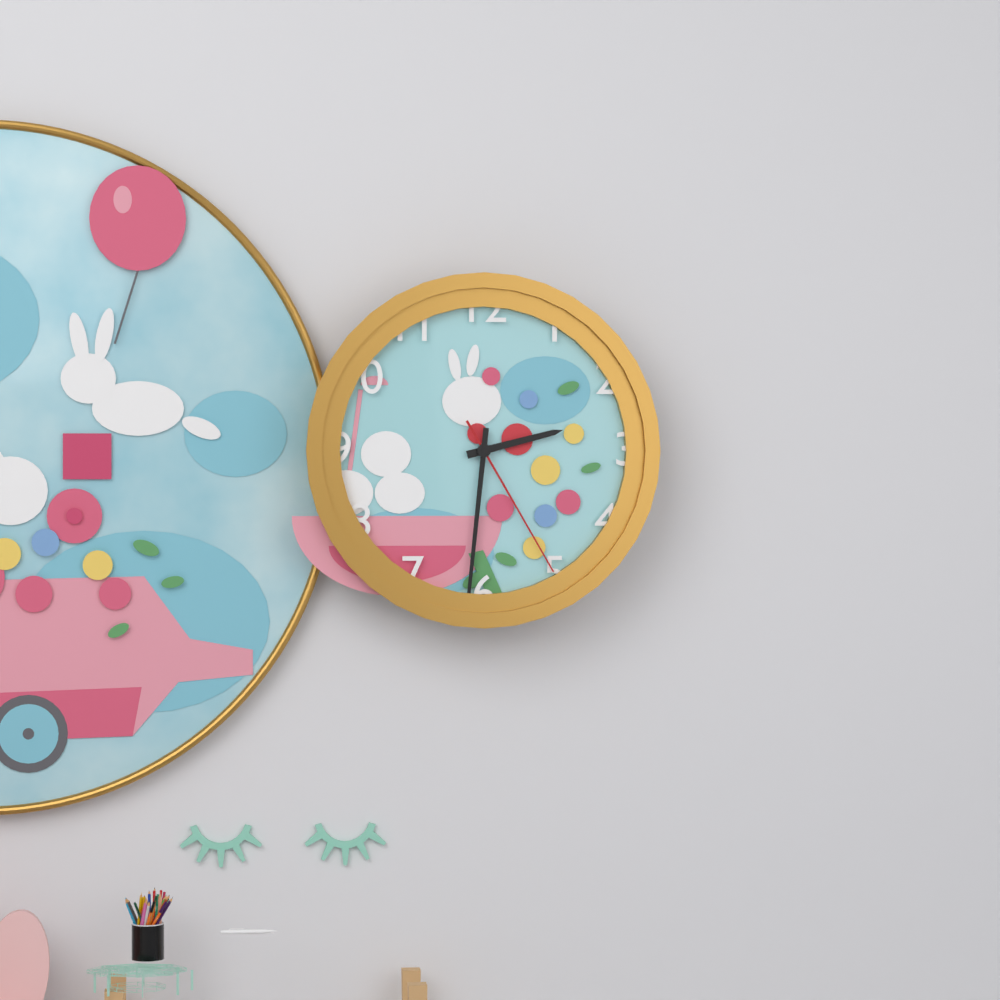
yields h=2 m=31 s=25
